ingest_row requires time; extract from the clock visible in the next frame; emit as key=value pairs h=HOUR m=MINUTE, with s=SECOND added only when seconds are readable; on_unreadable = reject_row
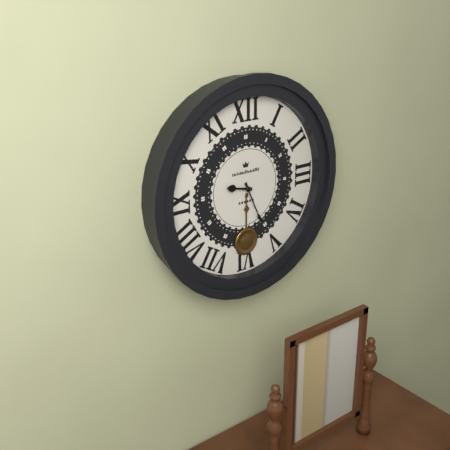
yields h=9 m=26
